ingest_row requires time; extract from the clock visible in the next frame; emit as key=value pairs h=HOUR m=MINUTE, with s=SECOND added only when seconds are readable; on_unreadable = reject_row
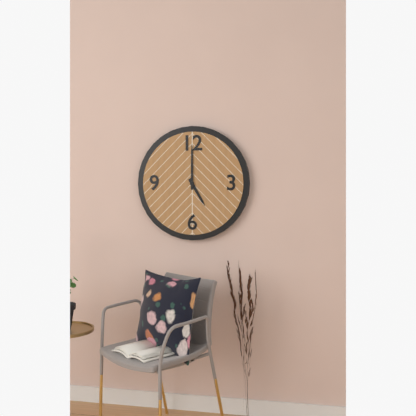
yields h=5 m=0
